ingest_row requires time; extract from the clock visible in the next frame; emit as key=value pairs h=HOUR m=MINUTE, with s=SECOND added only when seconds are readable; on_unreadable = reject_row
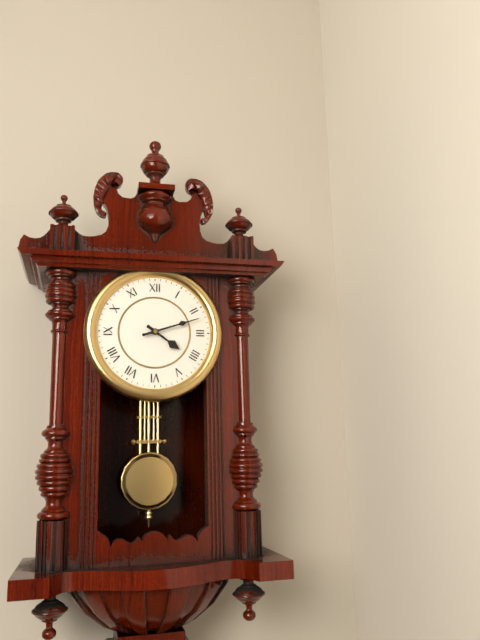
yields h=4 m=12
